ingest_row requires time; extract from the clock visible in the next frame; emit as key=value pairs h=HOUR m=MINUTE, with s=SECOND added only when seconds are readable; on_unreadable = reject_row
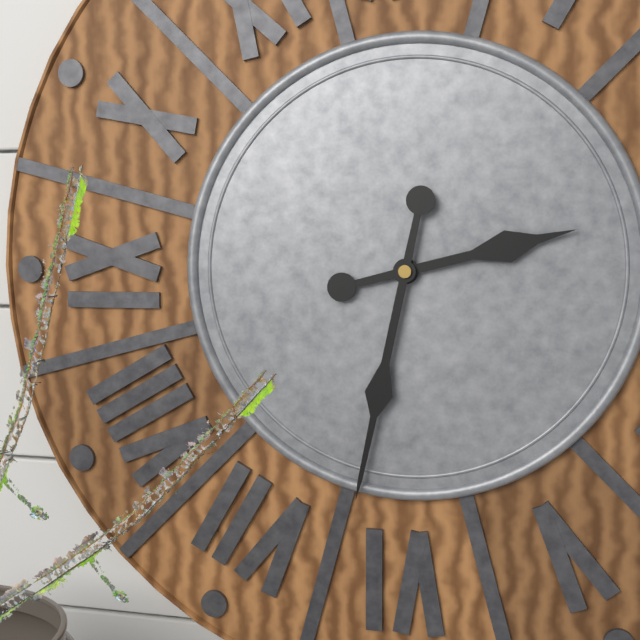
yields h=2 m=32
